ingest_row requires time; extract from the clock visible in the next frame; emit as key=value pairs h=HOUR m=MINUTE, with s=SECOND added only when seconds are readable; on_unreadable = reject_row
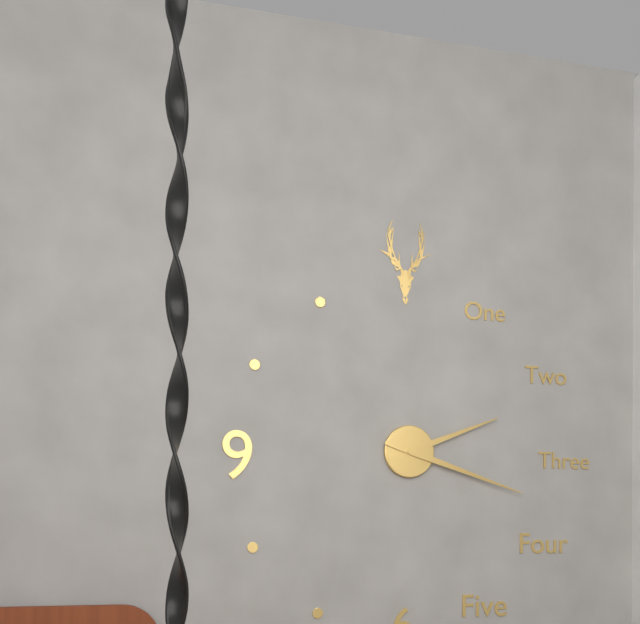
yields h=2 m=18
